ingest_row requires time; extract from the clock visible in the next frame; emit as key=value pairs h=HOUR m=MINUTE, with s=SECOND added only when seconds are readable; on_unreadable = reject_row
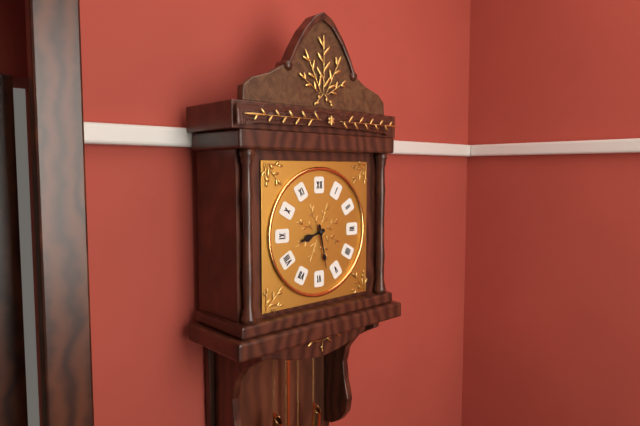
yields h=8 m=28
